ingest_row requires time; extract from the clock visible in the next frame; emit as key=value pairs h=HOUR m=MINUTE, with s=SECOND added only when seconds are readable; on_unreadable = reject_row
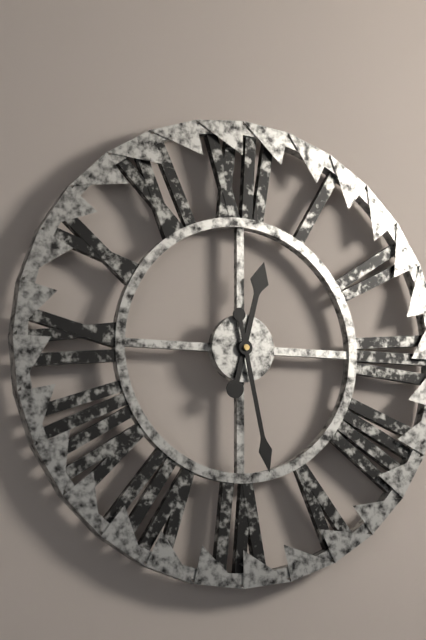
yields h=12 m=28
